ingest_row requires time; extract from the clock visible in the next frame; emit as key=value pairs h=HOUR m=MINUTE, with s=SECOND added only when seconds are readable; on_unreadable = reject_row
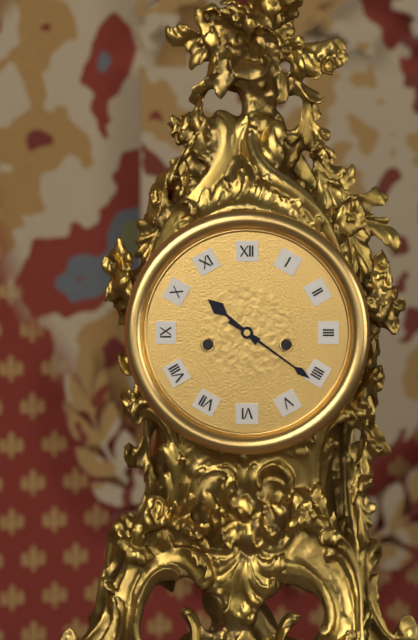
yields h=10 m=21
